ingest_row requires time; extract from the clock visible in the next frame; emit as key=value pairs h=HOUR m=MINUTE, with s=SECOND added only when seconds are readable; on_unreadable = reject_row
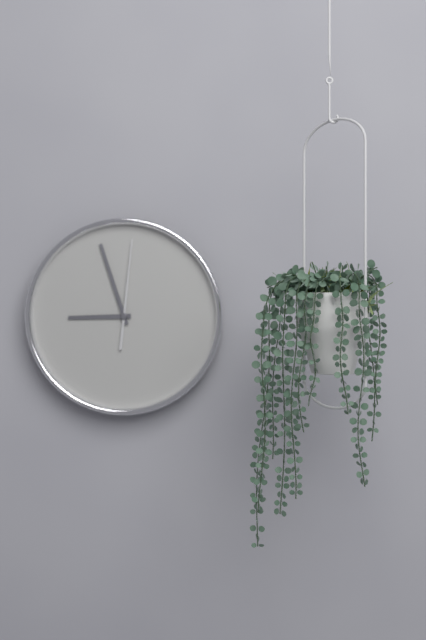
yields h=8 m=57 s=1
